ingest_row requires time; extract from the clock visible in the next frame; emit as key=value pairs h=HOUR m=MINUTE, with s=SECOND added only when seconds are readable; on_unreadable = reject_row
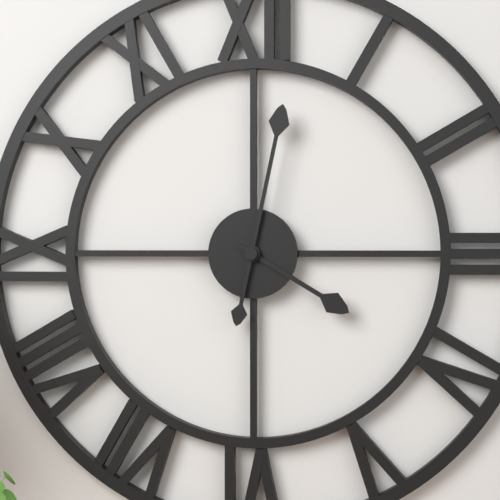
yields h=4 m=2
